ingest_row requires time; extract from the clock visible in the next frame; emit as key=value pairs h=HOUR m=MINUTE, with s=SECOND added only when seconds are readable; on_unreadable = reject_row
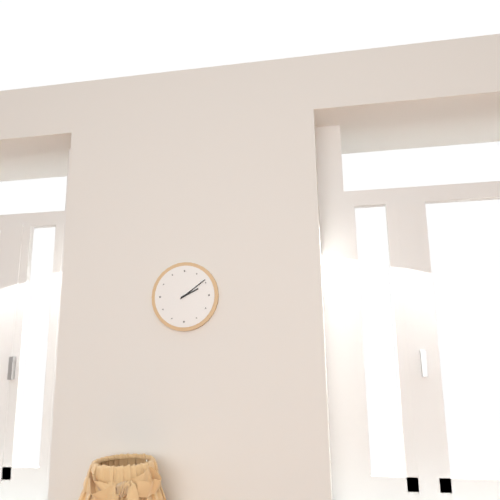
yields h=2 m=9
